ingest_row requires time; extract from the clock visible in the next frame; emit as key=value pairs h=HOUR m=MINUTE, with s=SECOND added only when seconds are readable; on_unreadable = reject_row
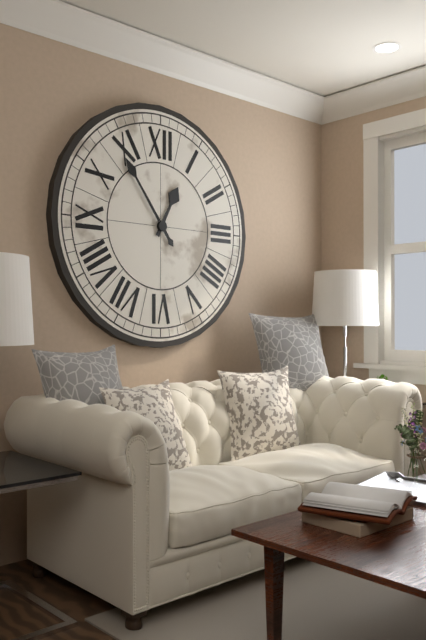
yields h=12 m=54
